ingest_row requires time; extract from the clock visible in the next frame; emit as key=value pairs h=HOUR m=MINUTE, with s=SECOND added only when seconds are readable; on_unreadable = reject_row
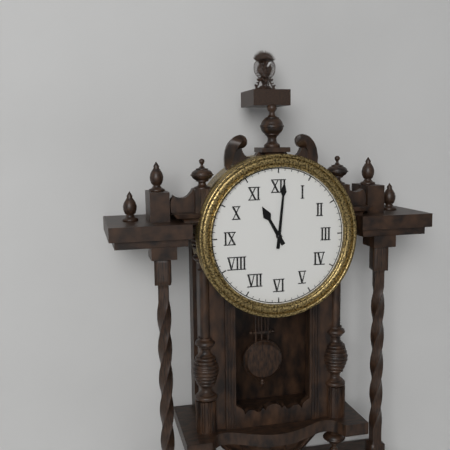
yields h=11 m=1
